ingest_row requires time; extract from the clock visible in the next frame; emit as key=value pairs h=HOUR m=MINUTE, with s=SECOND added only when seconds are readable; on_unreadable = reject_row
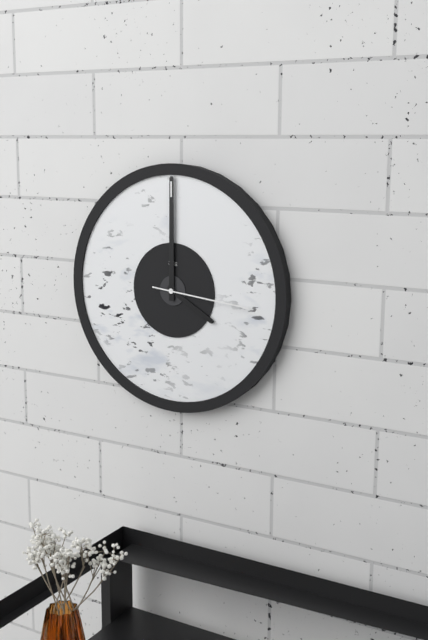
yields h=4 m=0 s=16
